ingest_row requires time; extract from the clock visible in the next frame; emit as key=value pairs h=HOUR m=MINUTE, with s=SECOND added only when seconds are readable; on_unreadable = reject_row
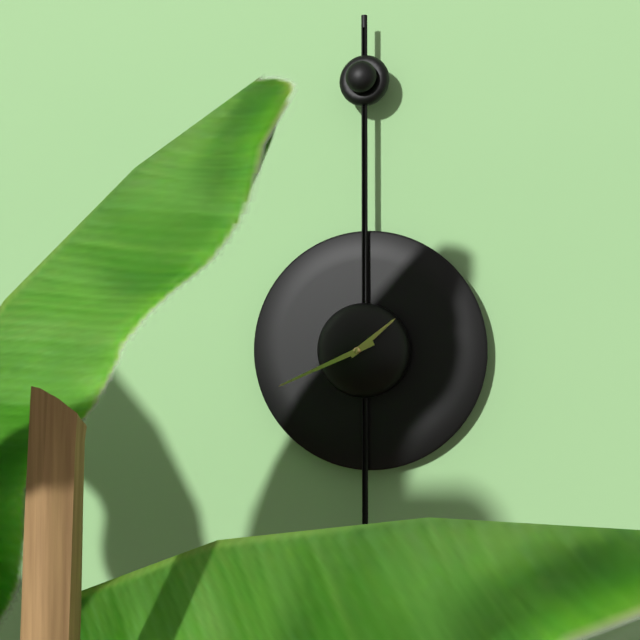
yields h=1 m=41
